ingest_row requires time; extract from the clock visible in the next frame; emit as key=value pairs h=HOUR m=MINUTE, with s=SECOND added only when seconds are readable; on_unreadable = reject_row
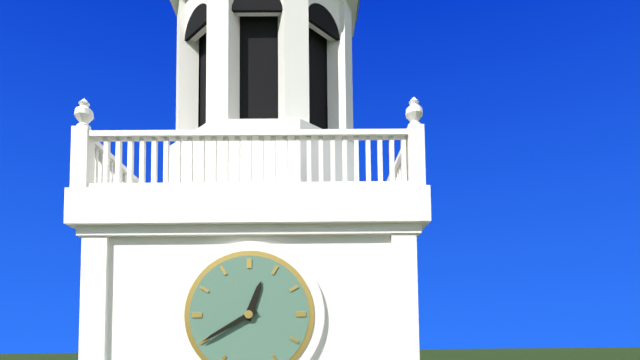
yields h=12 m=40
